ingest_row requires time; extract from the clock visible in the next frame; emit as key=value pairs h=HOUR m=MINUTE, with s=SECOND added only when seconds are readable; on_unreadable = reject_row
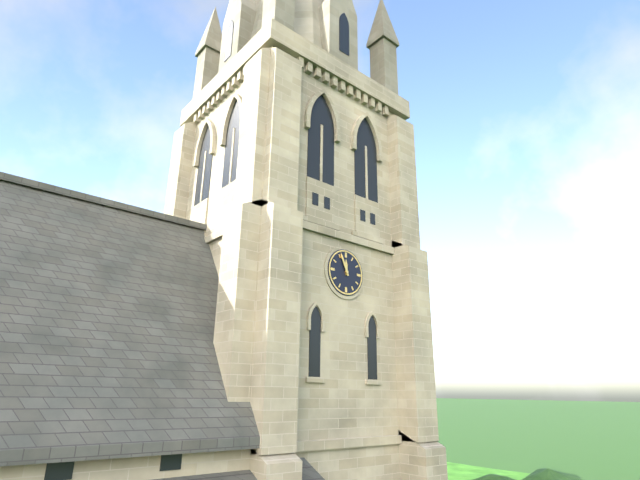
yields h=11 m=56
